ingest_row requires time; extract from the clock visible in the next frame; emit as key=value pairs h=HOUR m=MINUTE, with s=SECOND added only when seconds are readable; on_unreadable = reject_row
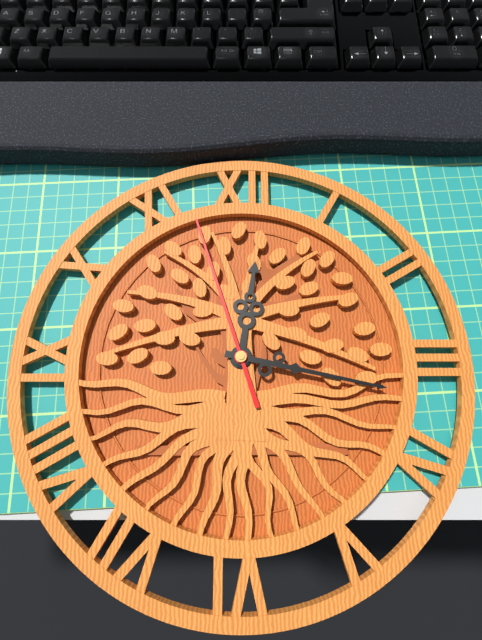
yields h=12 m=17 s=57
